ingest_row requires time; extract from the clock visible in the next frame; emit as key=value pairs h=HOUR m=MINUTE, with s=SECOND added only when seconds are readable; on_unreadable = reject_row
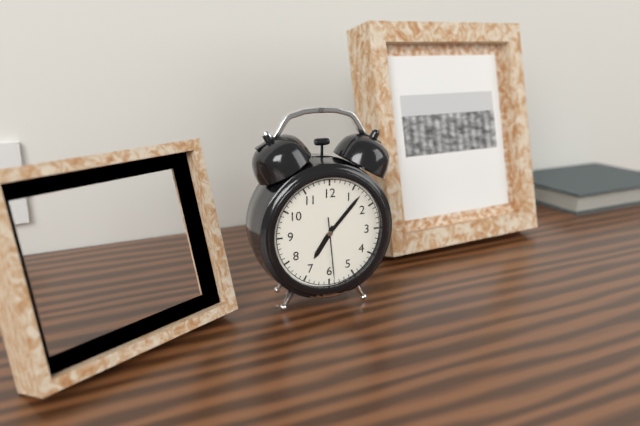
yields h=7 m=7 s=29
